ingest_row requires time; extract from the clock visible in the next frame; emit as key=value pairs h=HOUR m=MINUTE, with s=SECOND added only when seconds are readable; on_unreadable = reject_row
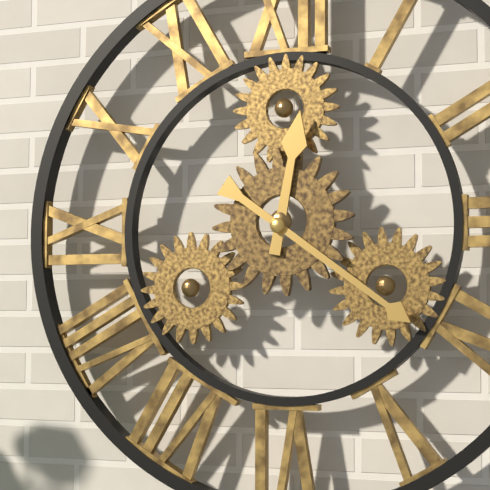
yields h=12 m=21
